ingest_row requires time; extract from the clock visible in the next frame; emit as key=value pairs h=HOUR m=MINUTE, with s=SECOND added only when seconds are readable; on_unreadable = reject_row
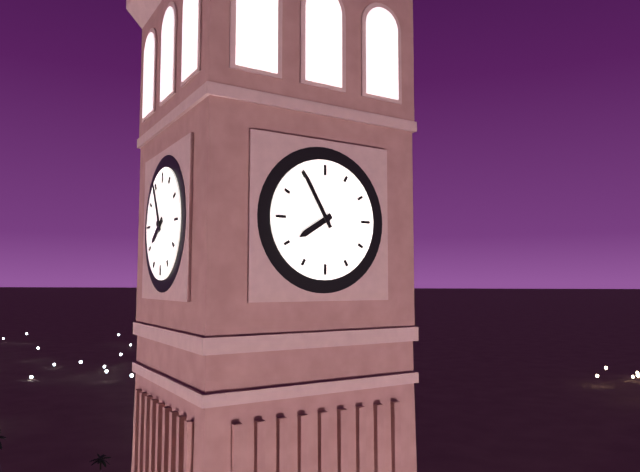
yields h=7 m=55
